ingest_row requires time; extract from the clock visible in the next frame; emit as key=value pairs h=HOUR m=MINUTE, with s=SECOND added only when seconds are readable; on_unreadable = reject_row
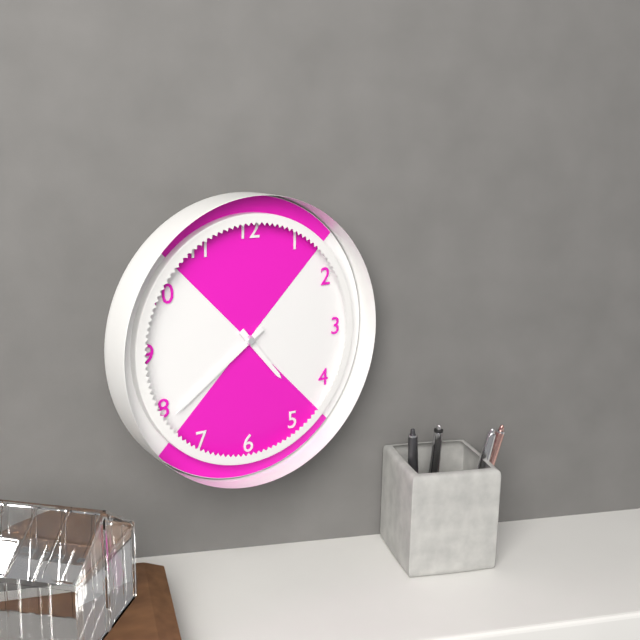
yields h=4 m=39
